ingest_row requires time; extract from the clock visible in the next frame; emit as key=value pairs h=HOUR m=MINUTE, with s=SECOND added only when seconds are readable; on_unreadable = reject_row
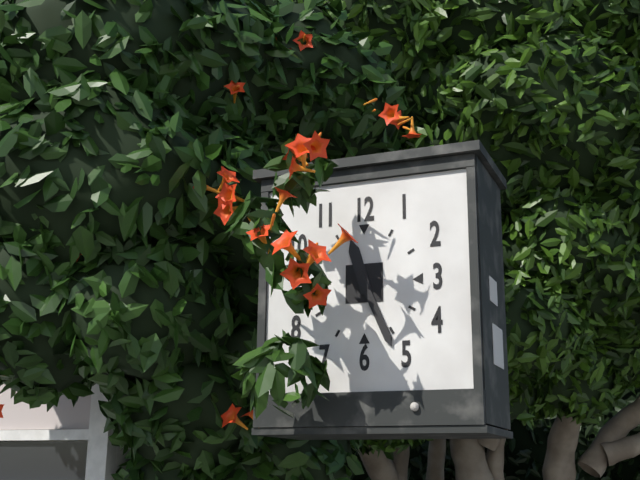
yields h=11 m=26
